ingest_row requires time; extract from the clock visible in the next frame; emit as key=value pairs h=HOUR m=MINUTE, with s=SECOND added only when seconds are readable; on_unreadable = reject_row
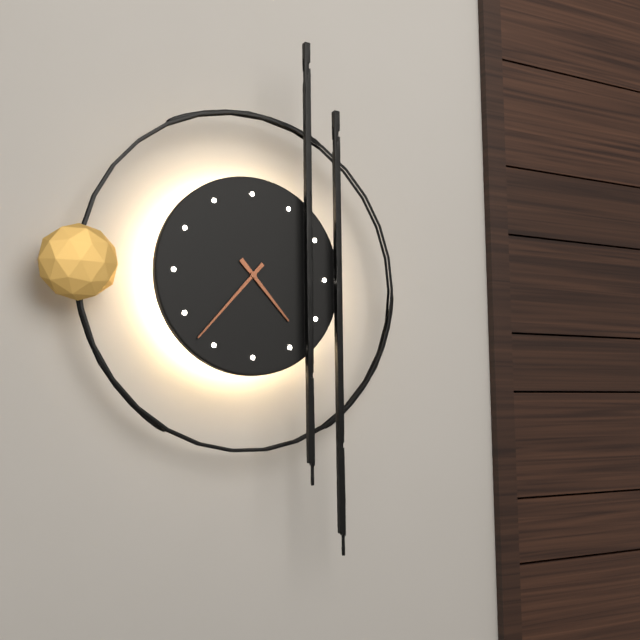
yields h=4 m=37
